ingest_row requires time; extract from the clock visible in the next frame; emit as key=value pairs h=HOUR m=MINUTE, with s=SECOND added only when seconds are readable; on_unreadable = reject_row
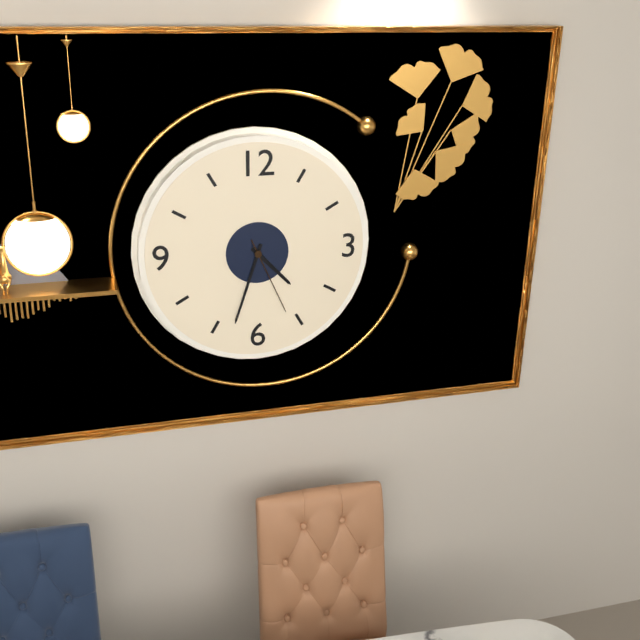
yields h=4 m=33 s=26
